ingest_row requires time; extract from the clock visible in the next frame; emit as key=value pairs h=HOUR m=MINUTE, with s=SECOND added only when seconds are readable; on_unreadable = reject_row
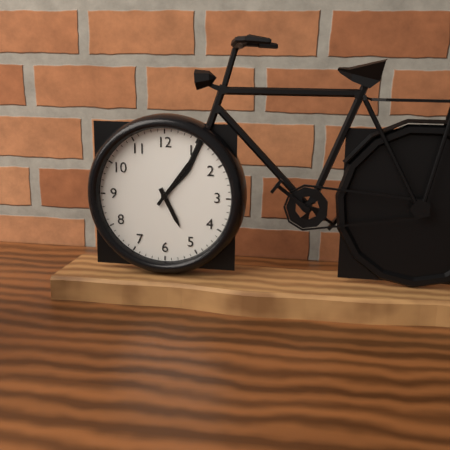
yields h=5 m=6
